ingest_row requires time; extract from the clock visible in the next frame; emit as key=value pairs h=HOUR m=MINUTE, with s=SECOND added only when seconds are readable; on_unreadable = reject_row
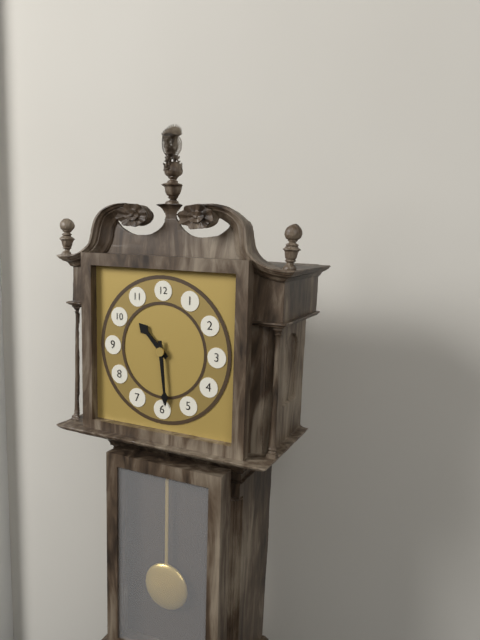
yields h=10 m=29
